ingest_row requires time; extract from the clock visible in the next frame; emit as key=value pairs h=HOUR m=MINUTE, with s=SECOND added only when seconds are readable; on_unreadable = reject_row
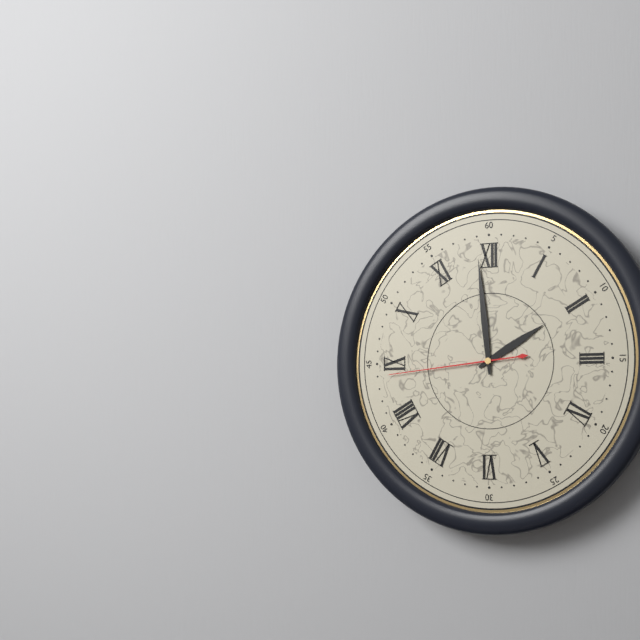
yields h=1 m=59 s=44
